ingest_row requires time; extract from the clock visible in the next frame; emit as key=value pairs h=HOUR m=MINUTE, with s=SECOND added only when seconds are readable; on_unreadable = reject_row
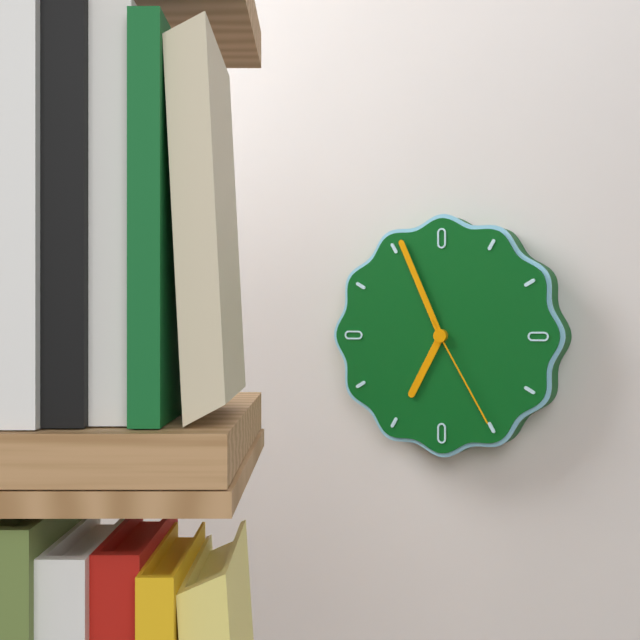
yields h=6 m=56 s=25
